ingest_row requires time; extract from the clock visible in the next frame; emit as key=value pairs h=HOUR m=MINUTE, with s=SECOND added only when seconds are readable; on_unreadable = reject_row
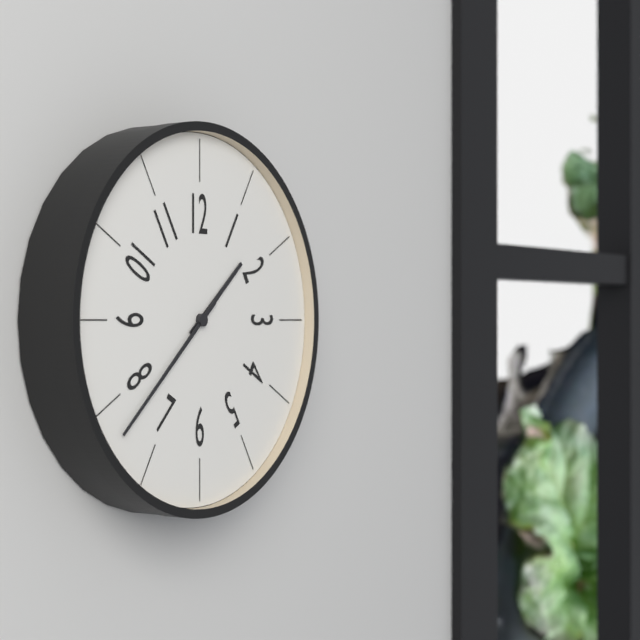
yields h=1 m=38
